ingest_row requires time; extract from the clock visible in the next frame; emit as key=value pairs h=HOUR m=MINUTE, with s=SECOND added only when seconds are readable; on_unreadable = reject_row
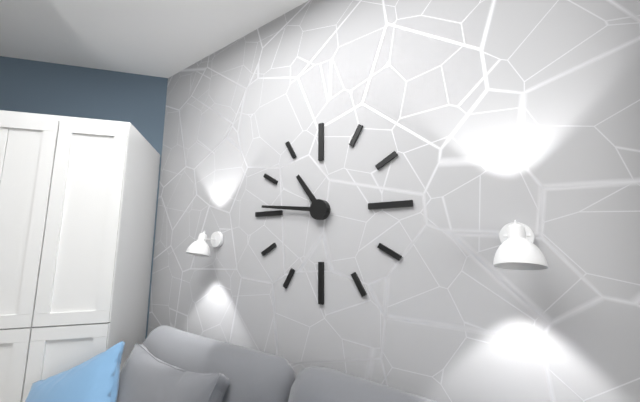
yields h=10 m=46
